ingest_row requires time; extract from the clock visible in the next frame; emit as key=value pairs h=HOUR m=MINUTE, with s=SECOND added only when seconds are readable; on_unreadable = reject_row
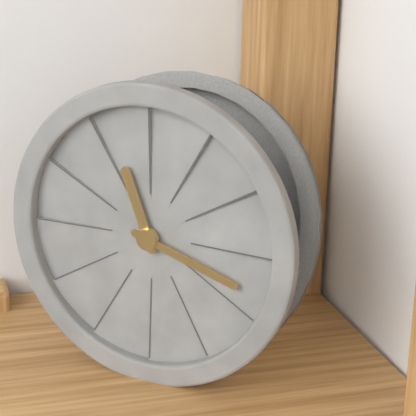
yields h=11 m=18
